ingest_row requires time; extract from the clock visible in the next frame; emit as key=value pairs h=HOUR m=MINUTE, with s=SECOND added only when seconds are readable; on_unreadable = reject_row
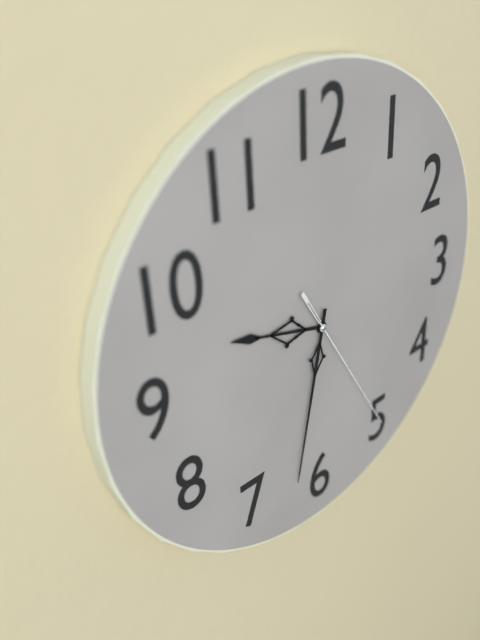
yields h=9 m=32 s=25
